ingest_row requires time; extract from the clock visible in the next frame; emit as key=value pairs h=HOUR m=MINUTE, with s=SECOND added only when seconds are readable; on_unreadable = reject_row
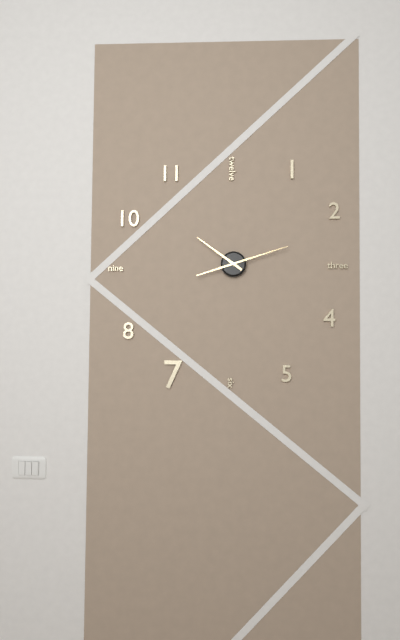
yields h=10 m=12
